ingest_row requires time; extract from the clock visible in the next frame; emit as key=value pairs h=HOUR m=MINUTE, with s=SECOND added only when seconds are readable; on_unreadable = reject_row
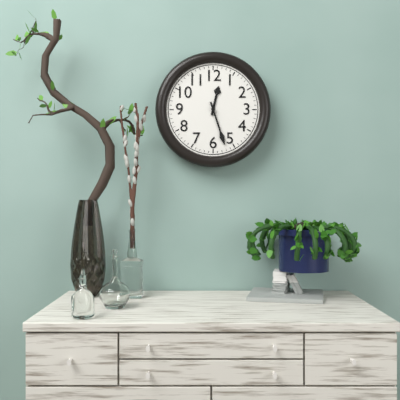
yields h=12 m=27
